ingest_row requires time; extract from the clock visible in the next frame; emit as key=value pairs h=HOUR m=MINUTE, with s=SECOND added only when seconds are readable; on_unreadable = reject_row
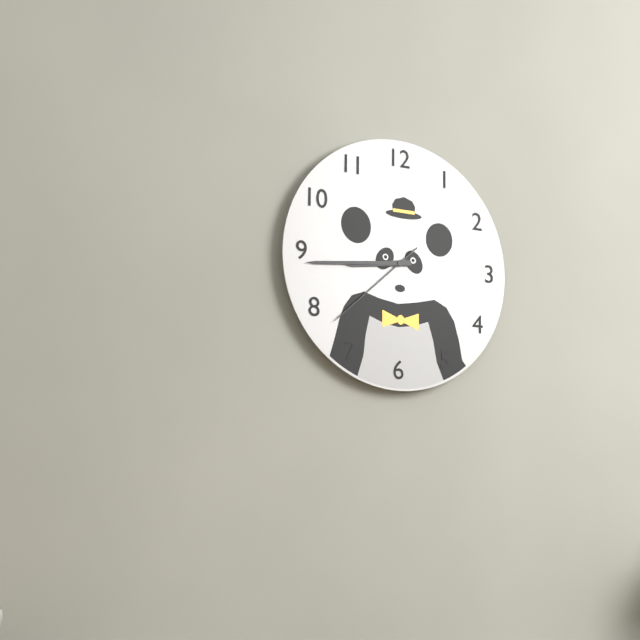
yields h=8 m=44 s=38
